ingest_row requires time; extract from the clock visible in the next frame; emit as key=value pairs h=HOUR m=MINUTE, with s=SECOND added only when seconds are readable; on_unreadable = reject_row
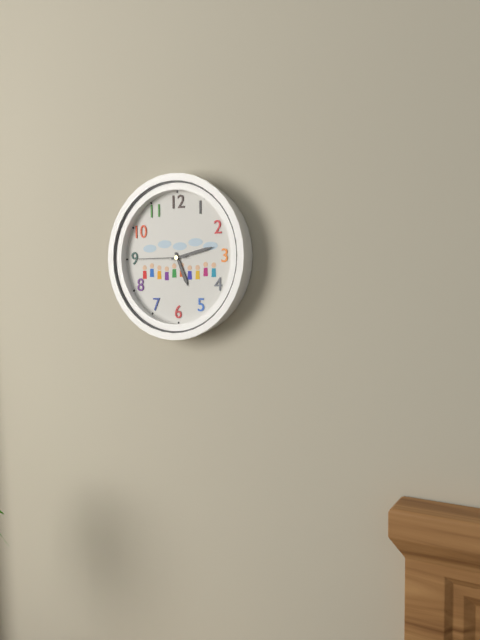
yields h=5 m=13 s=45
